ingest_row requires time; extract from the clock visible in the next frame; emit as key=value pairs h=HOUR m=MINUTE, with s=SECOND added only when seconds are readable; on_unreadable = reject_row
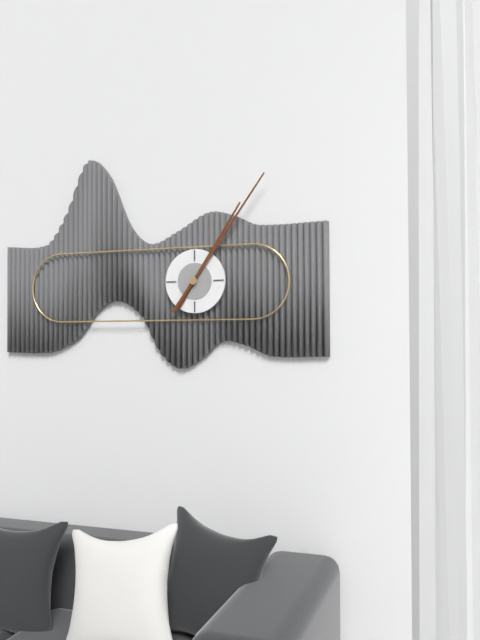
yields h=1 m=6
